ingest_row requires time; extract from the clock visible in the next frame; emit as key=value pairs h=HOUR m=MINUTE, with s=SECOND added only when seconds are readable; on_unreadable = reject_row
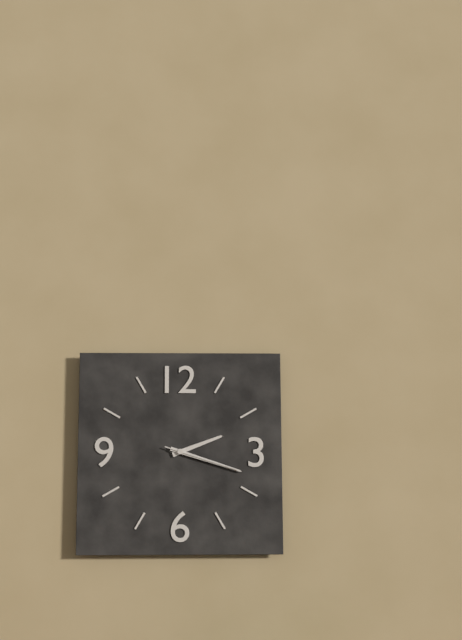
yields h=2 m=18 s=18
